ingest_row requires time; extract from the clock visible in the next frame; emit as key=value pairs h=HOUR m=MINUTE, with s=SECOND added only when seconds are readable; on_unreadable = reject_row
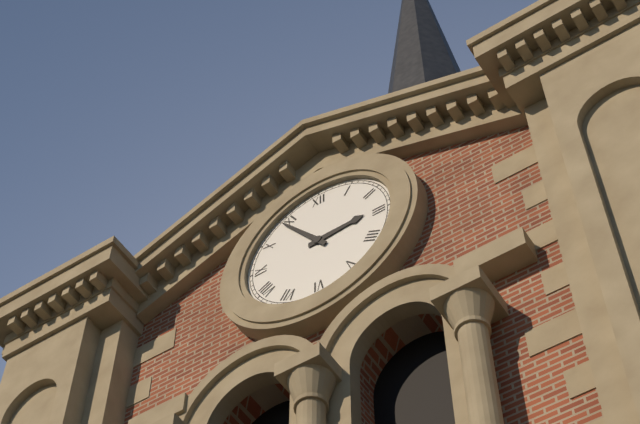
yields h=2 m=54
